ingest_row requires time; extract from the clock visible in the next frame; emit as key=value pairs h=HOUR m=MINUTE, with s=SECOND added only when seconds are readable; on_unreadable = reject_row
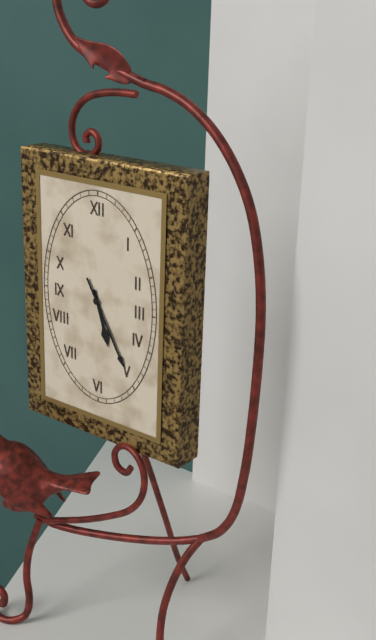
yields h=5 m=25
